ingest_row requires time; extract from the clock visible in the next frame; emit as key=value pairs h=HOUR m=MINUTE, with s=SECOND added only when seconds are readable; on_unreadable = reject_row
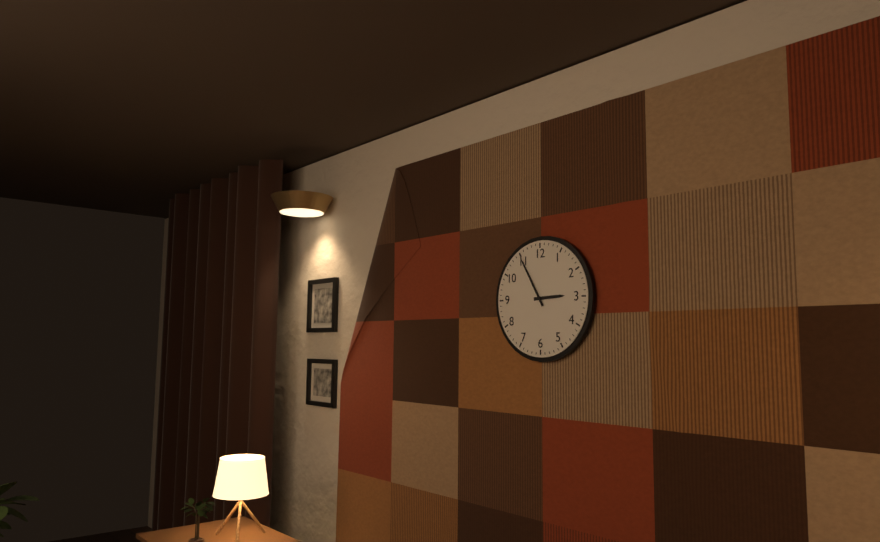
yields h=2 m=55
